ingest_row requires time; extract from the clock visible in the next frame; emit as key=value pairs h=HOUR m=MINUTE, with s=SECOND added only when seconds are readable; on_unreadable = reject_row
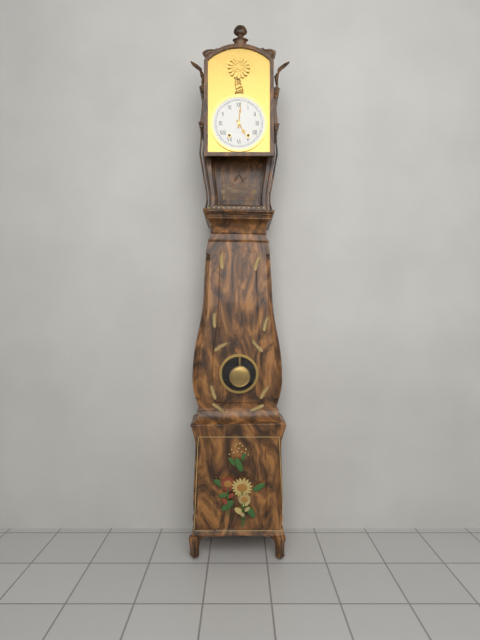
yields h=5 m=1
